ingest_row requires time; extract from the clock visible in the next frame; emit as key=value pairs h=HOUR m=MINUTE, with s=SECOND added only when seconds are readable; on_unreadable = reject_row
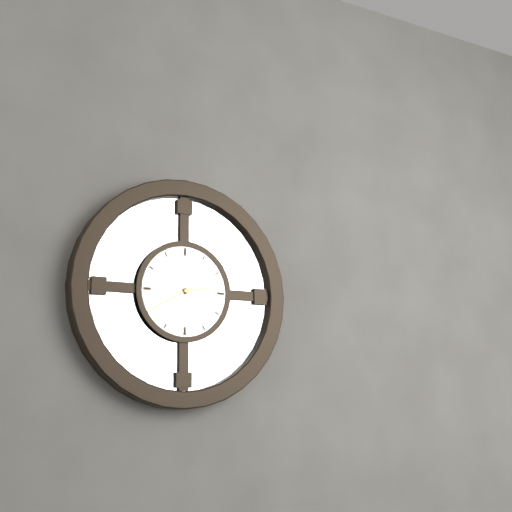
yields h=2 m=40
